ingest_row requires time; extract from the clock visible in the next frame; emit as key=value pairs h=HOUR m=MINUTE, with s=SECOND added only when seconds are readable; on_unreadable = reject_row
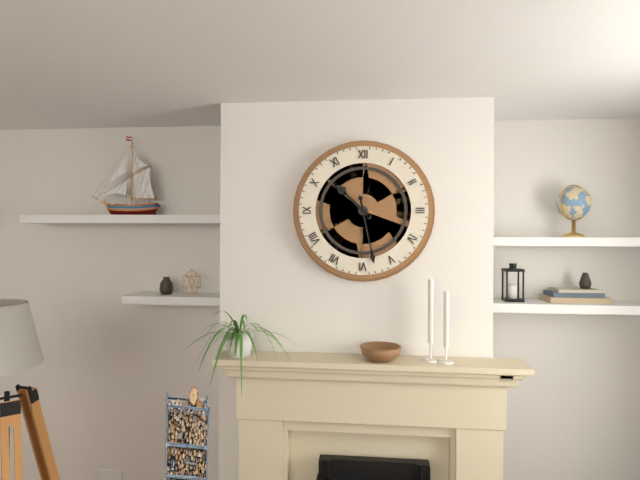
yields h=10 m=28
